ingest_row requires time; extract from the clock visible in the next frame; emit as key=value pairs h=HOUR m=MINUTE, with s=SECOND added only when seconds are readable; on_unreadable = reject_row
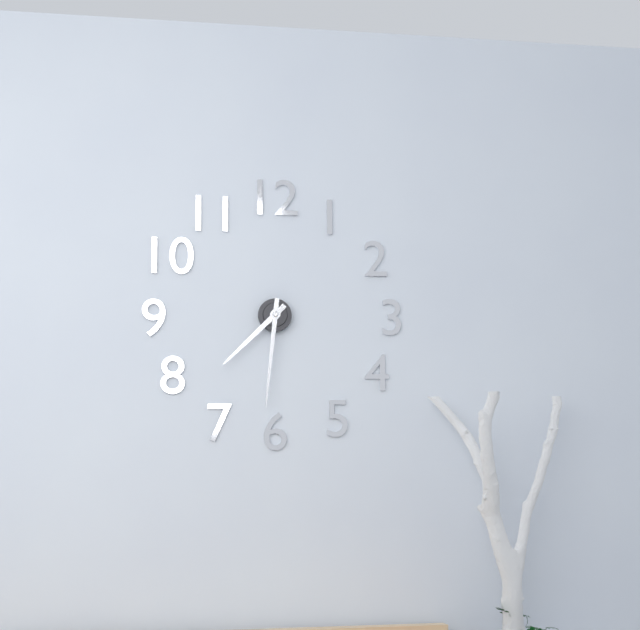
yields h=7 m=31
